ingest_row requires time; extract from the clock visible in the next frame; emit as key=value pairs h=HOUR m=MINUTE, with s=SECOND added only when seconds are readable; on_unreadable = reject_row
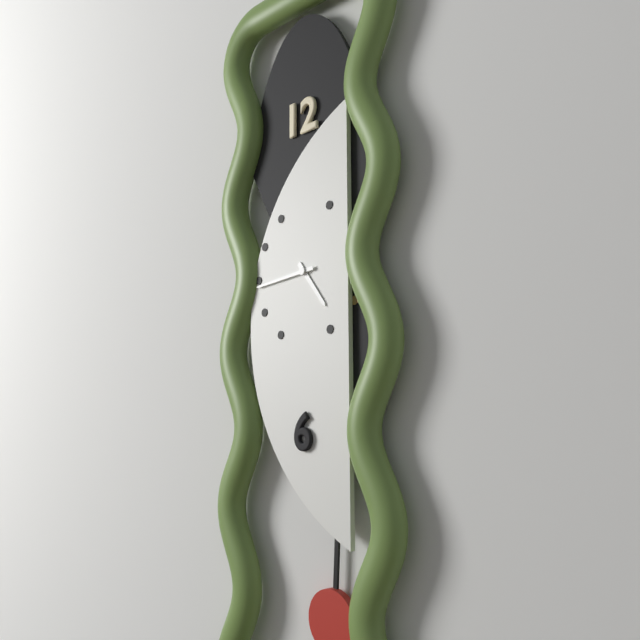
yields h=4 m=44
